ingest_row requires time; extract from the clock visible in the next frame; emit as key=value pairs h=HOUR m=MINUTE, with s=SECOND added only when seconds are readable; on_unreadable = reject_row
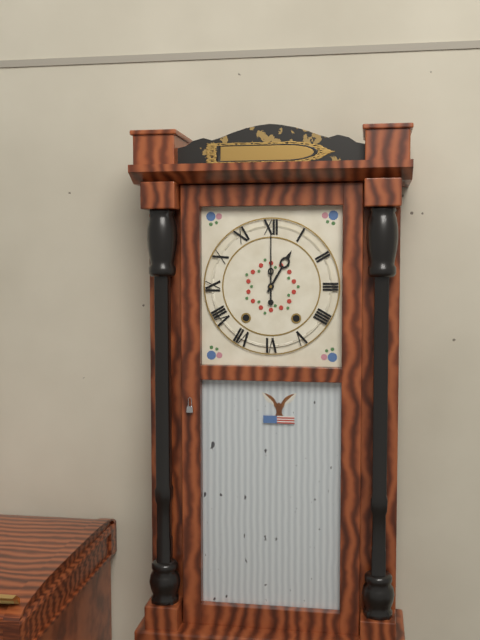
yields h=1 m=0
